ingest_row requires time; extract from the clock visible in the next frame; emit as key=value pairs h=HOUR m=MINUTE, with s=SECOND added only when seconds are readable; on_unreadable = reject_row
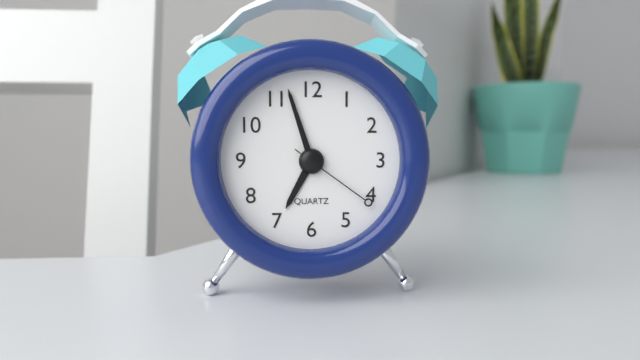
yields h=6 m=57 s=21
